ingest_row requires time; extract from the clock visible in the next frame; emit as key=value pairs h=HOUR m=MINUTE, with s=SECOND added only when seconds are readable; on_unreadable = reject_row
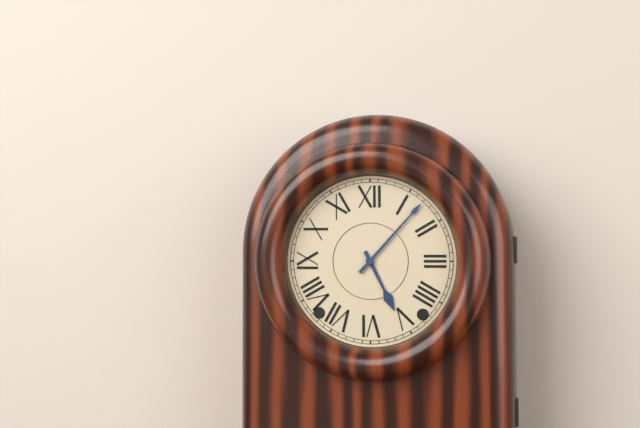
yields h=5 m=7
